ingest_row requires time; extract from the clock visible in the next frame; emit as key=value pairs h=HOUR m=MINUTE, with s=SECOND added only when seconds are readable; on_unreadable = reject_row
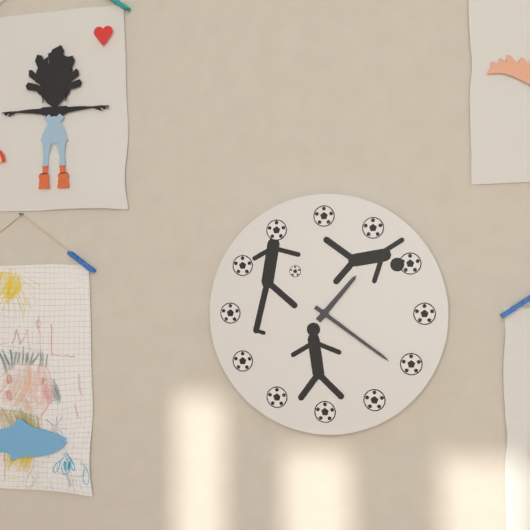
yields h=1 m=21
